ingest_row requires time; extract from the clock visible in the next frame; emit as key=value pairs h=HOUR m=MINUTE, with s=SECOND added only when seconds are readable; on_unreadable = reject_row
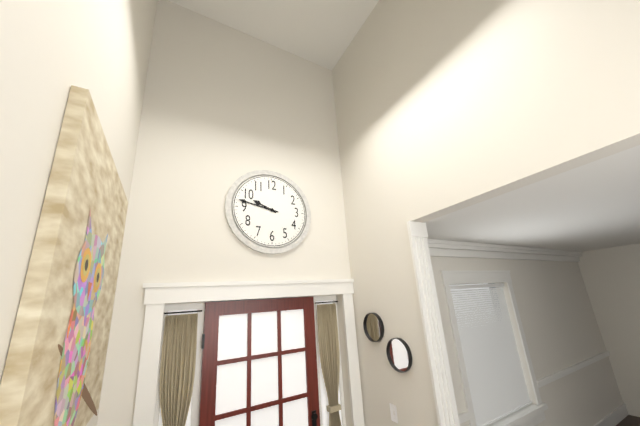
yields h=9 m=47
